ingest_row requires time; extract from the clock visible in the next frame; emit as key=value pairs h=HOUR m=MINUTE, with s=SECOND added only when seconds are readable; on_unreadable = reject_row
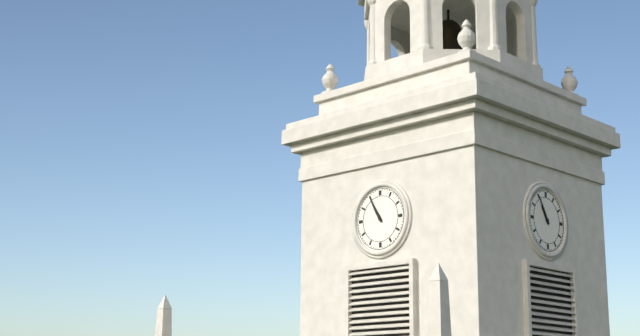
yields h=10 m=55
